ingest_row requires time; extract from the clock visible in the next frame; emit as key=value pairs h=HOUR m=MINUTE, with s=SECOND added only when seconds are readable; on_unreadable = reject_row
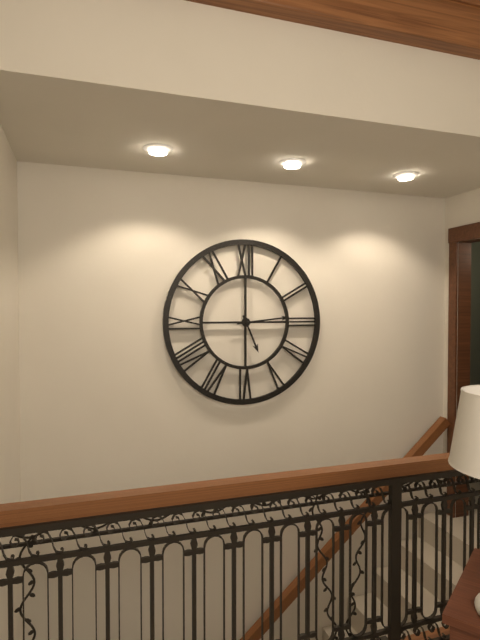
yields h=5 m=14
